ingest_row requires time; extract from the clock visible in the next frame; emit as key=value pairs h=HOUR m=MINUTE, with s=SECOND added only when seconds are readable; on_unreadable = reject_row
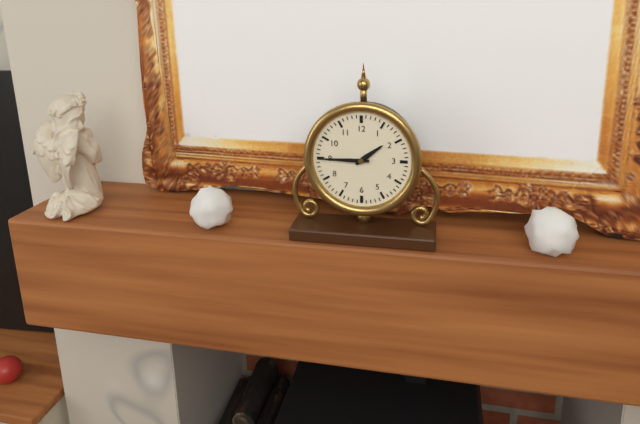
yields h=1 m=45
